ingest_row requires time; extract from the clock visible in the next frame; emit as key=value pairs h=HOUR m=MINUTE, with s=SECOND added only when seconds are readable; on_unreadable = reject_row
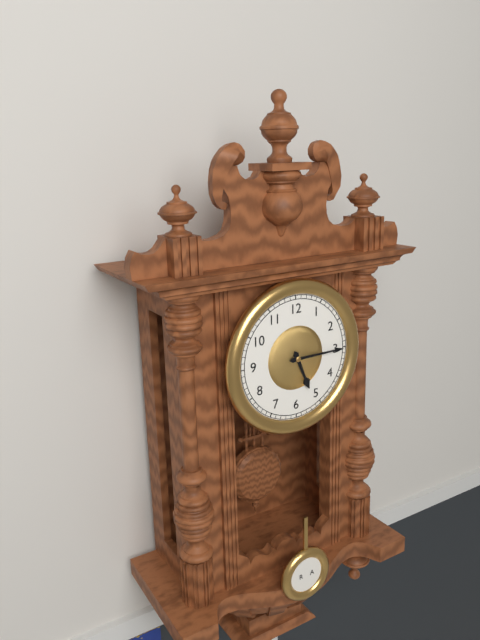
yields h=5 m=15
